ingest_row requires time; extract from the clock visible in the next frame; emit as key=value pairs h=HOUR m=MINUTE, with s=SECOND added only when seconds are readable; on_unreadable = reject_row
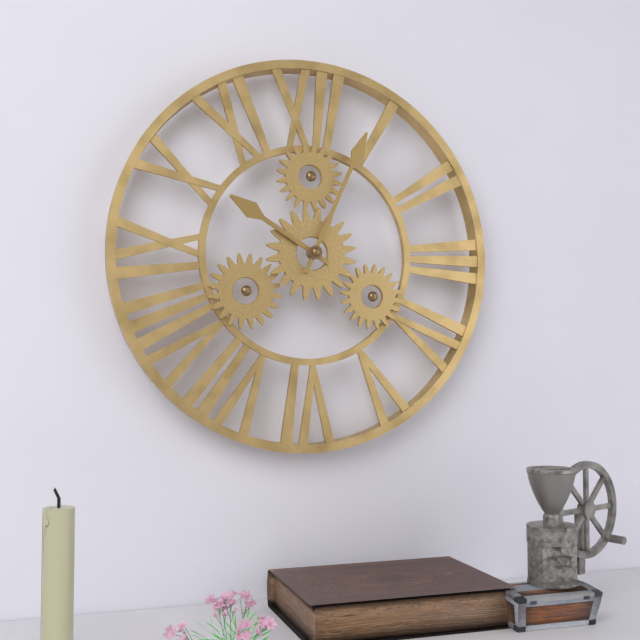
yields h=10 m=4
